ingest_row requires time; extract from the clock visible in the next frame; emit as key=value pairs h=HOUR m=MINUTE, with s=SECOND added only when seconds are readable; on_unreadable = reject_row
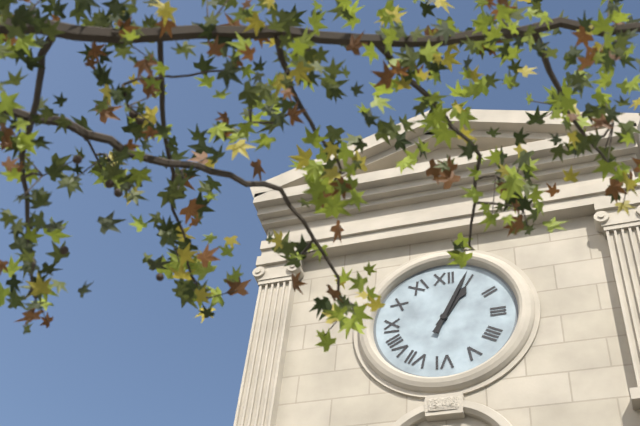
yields h=1 m=4
